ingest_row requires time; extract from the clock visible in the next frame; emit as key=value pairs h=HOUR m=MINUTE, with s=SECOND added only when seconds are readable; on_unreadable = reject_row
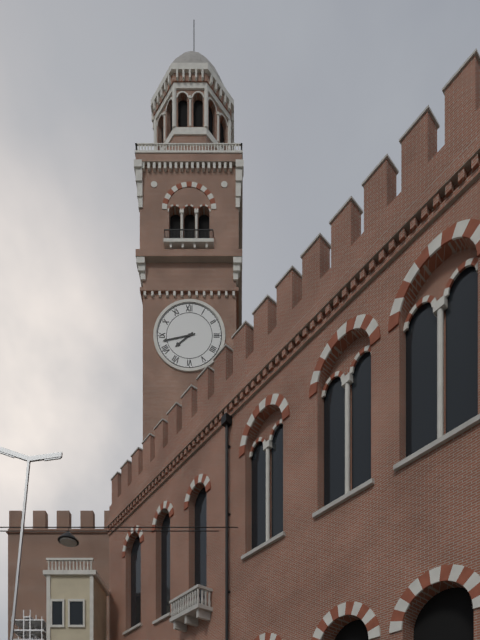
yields h=7 m=43
